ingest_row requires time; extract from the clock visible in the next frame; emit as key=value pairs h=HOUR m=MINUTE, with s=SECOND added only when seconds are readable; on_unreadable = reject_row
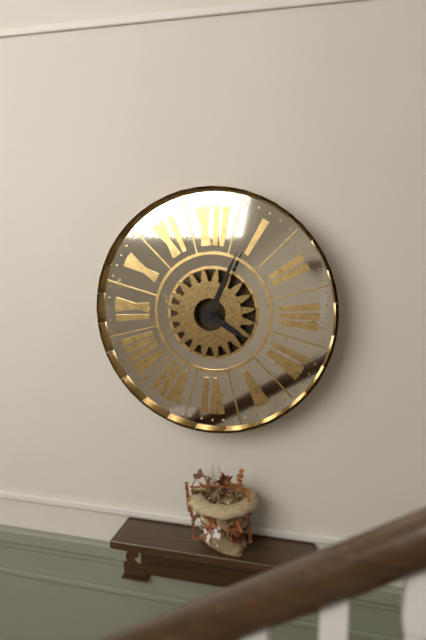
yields h=4 m=4
